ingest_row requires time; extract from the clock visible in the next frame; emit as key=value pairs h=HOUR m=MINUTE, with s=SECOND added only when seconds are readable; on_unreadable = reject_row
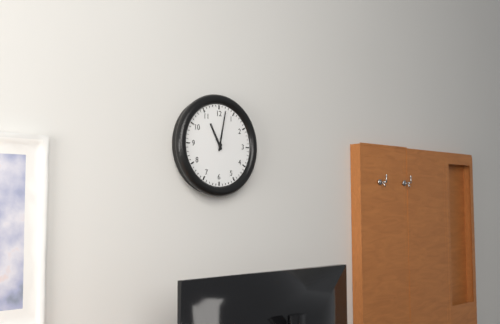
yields h=11 m=2
